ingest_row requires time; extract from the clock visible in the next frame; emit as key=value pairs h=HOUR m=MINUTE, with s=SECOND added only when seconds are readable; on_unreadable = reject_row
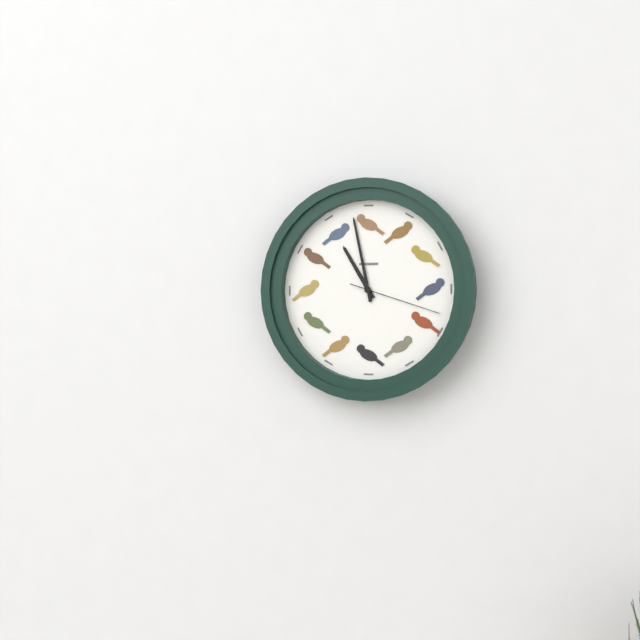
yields h=10 m=58 s=18
